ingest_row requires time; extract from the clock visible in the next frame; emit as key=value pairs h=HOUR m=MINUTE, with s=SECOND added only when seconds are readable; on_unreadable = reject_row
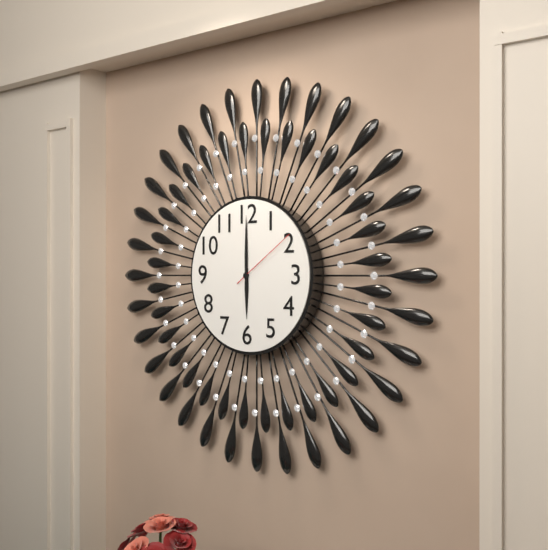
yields h=6 m=0 s=9
